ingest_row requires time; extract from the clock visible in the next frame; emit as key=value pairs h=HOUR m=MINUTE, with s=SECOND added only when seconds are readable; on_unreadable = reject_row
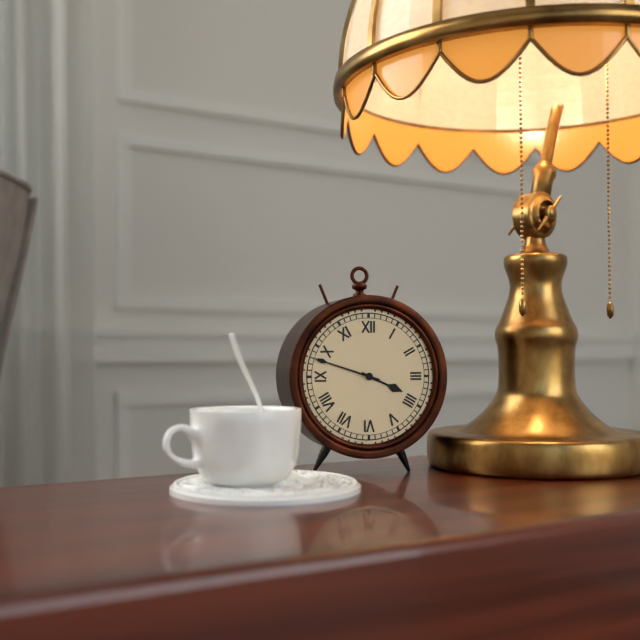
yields h=3 m=48
